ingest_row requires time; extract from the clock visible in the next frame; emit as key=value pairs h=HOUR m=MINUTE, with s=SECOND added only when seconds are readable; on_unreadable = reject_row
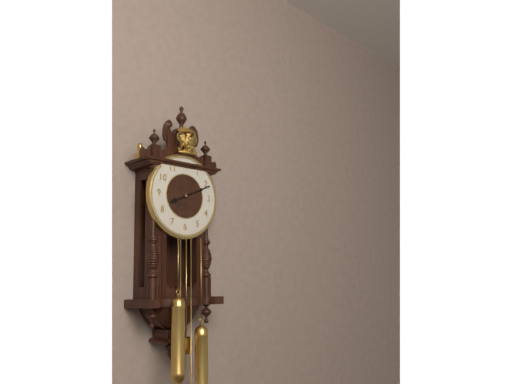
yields h=8 m=11
